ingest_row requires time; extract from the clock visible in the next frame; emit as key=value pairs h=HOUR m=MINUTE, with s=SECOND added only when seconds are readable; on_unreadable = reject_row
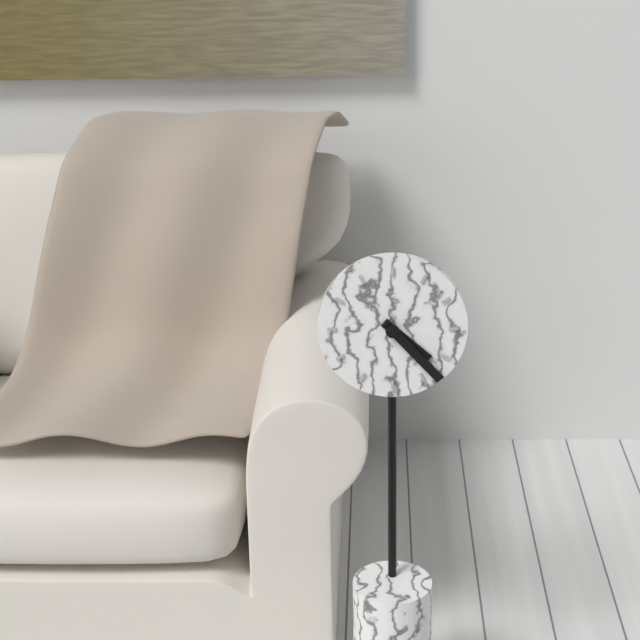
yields h=4 m=23
